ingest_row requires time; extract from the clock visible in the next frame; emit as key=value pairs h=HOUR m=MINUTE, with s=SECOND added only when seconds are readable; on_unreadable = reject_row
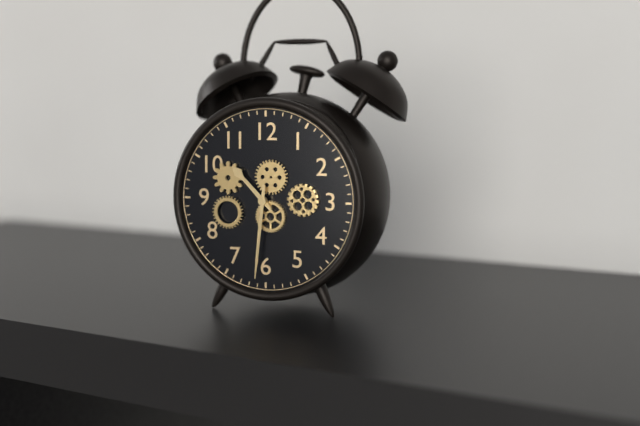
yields h=10 m=31
